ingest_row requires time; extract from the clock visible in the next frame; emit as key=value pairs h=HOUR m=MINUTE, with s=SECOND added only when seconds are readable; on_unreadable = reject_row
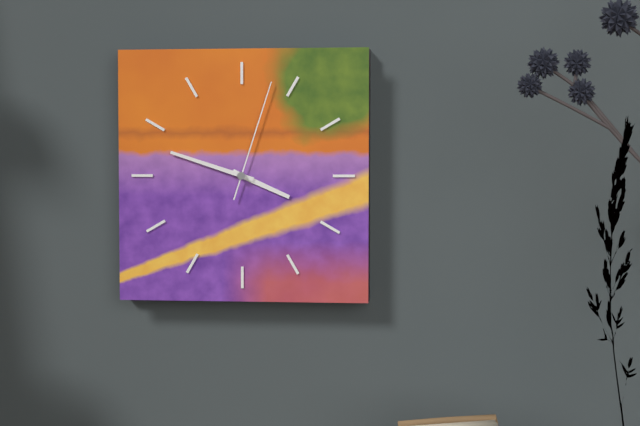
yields h=3 m=48 s=3
